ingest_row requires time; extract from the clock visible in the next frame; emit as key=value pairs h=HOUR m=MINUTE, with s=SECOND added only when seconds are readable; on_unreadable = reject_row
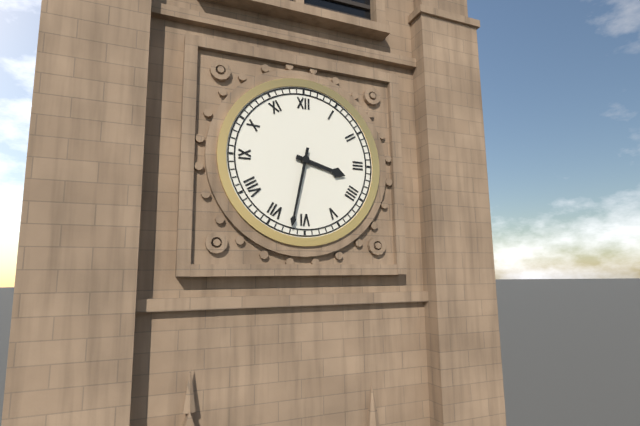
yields h=3 m=32
